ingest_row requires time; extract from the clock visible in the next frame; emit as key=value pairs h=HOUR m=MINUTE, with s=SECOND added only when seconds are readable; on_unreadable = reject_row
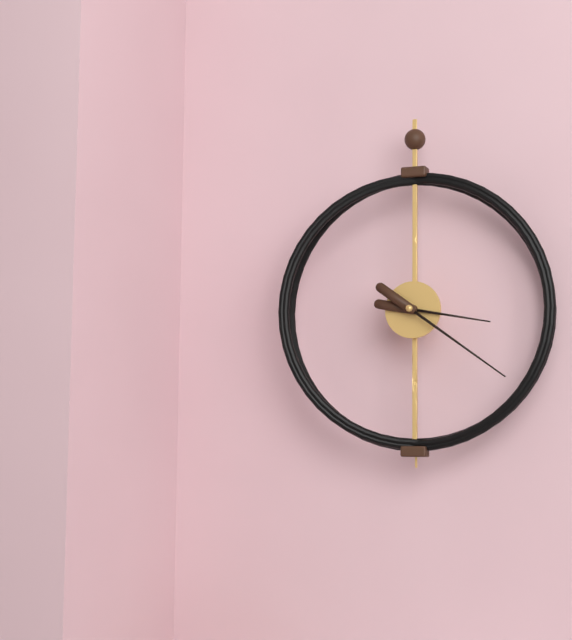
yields h=3 m=21
